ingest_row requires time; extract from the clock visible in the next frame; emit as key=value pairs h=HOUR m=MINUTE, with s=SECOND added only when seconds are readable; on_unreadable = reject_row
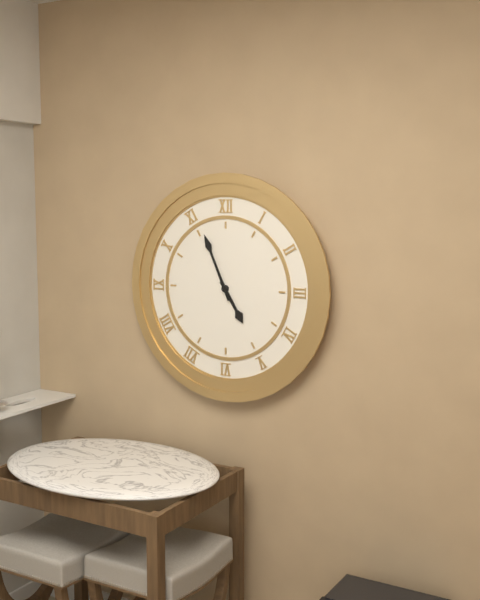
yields h=4 m=56
